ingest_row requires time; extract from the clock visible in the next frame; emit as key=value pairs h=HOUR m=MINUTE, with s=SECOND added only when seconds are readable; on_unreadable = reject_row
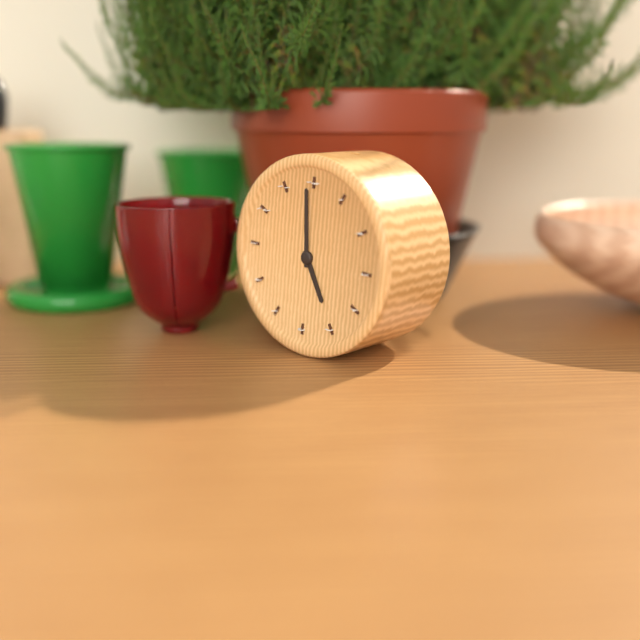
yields h=4 m=59
